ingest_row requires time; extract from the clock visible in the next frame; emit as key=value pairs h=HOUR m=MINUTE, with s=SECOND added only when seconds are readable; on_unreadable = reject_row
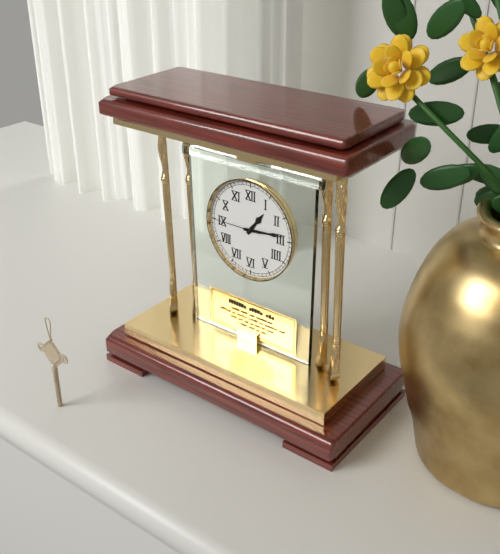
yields h=1 m=14
